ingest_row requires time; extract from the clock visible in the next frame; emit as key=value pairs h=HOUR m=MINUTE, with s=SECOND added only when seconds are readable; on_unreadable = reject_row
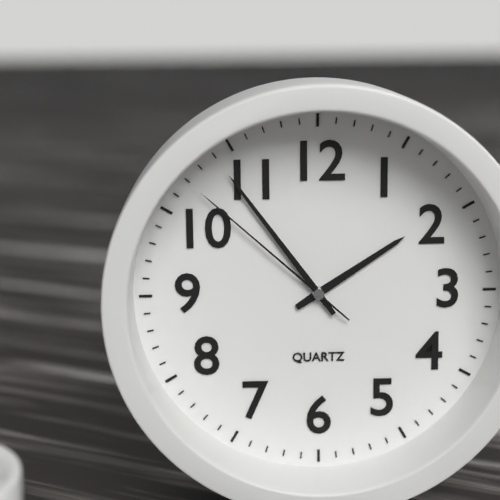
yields h=1 m=54 s=52
